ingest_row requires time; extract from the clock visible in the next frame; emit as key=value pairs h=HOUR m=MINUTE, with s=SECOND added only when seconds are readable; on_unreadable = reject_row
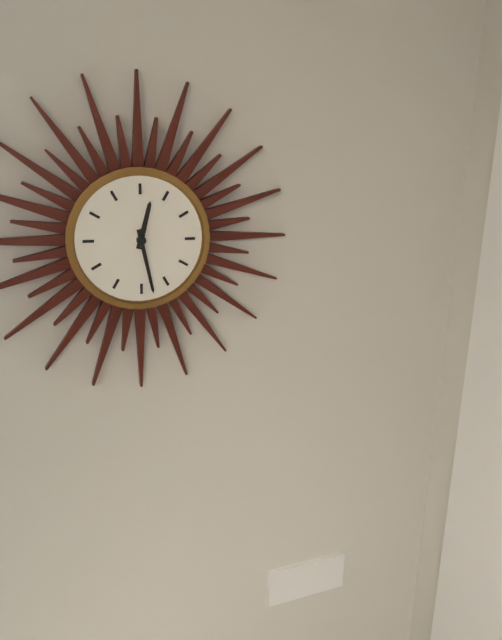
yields h=12 m=28
